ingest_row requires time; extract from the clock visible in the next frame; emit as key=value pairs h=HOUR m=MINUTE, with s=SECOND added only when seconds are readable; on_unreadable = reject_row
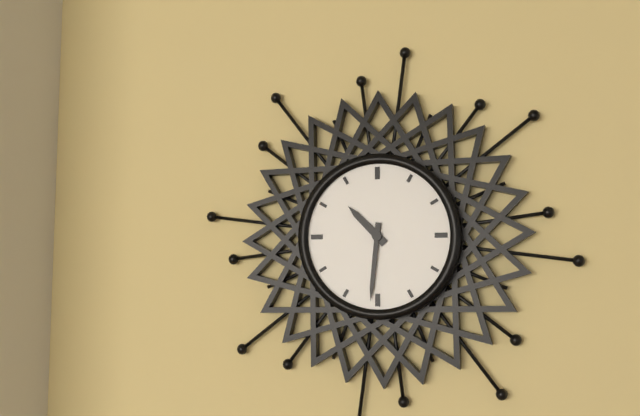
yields h=10 m=31
